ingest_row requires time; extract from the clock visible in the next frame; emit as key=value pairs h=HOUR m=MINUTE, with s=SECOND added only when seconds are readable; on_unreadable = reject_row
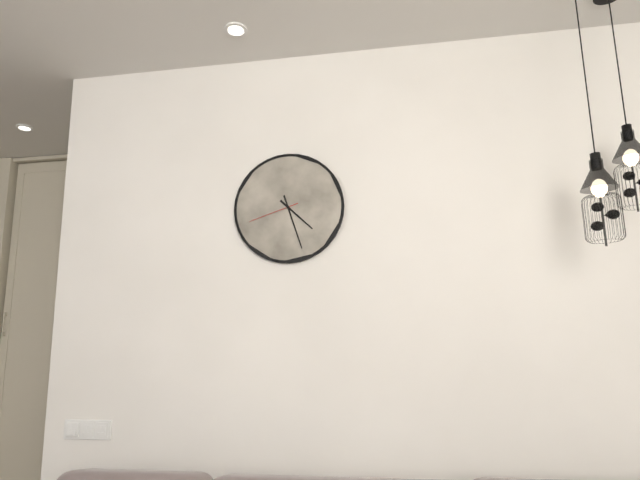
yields h=4 m=27 s=42
